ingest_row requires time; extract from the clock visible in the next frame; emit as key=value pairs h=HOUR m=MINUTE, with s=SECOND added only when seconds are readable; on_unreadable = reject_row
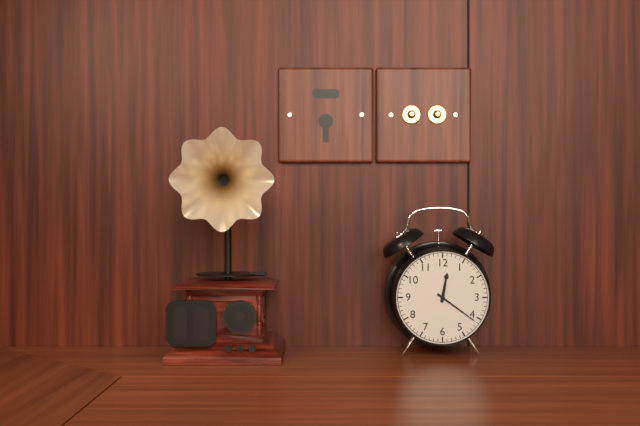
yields h=12 m=21
